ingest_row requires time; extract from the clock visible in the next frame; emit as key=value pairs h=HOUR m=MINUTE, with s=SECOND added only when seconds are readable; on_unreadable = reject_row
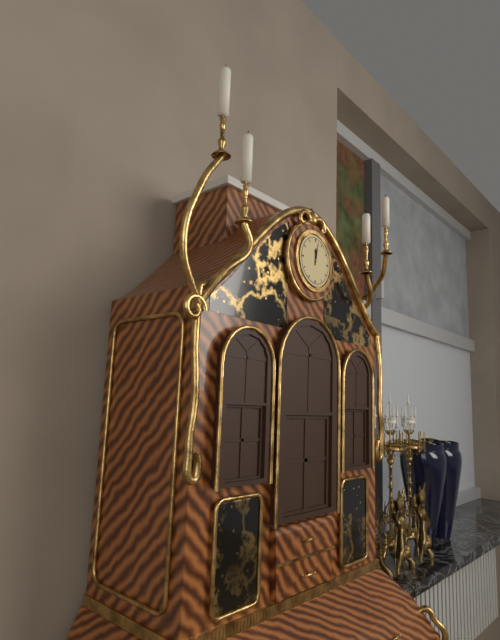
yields h=12 m=2
